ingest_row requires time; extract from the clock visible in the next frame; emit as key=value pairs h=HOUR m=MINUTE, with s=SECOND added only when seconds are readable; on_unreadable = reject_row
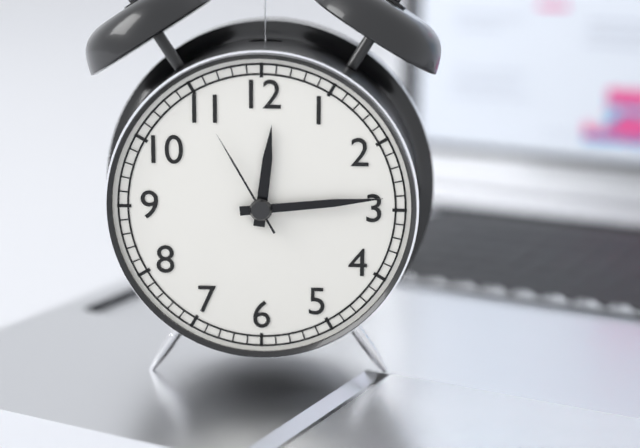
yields h=12 m=14 s=55
